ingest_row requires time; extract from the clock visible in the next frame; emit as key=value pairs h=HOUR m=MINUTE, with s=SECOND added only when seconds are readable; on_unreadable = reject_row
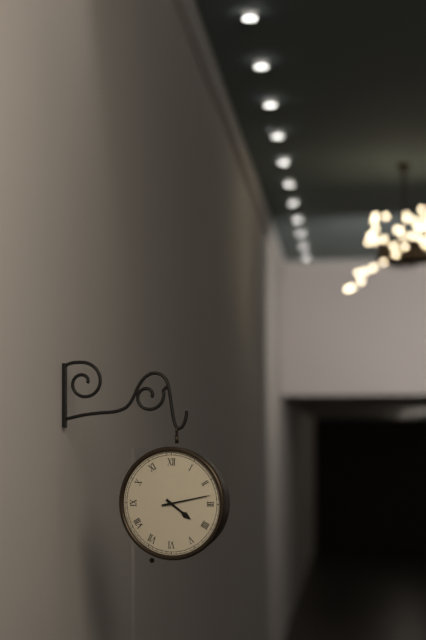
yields h=4 m=13
